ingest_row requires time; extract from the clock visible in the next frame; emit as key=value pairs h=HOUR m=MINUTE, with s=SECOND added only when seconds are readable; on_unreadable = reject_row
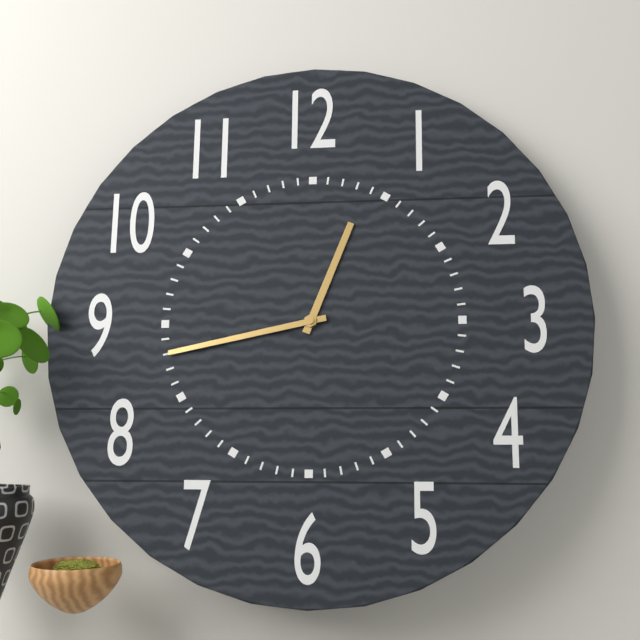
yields h=12 m=43
